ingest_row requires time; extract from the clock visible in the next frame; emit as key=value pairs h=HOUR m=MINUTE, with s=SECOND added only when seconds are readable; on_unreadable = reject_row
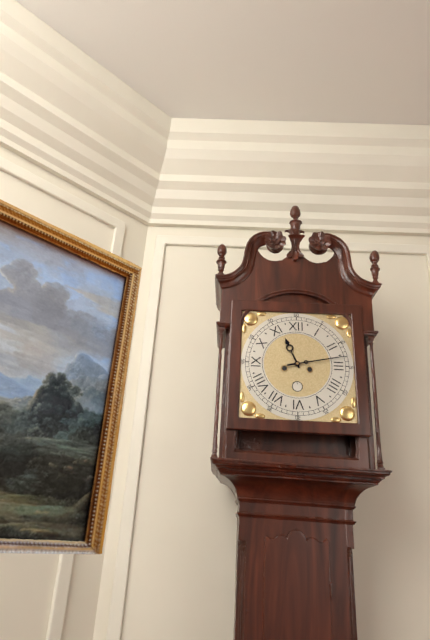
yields h=11 m=13
